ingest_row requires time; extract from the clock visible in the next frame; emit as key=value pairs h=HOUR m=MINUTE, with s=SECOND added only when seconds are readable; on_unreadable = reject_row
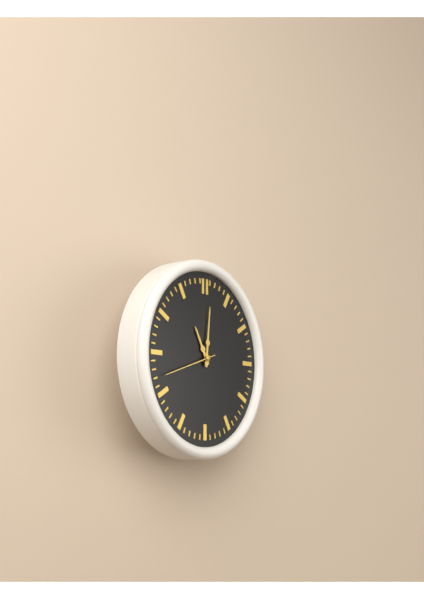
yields h=11 m=1 s=42
